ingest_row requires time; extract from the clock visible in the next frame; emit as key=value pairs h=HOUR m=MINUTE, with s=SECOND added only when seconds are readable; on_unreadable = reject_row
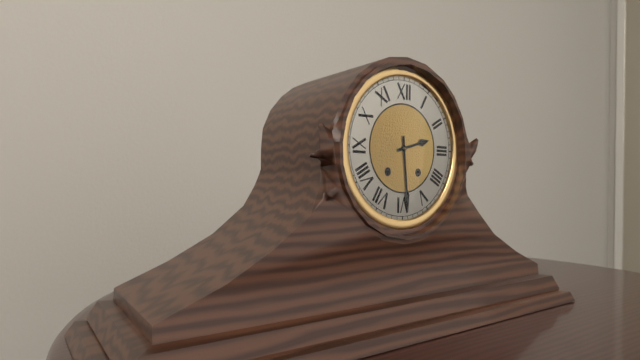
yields h=2 m=29
